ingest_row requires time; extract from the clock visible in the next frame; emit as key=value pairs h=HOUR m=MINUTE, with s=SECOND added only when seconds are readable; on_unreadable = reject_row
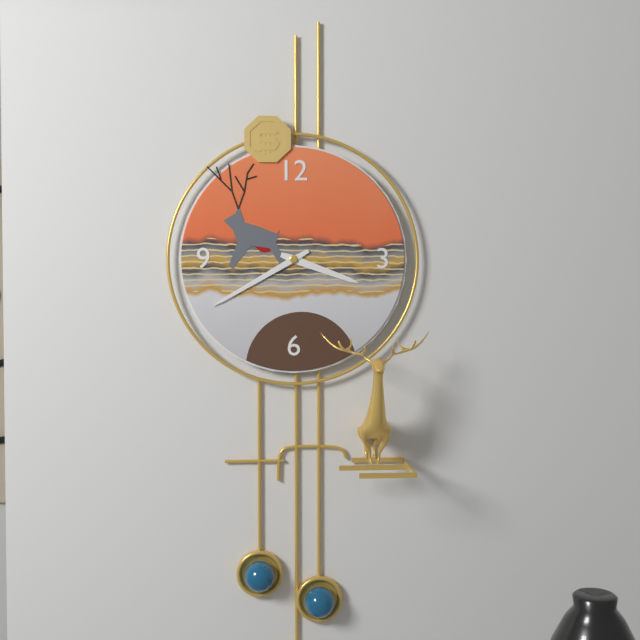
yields h=3 m=40
